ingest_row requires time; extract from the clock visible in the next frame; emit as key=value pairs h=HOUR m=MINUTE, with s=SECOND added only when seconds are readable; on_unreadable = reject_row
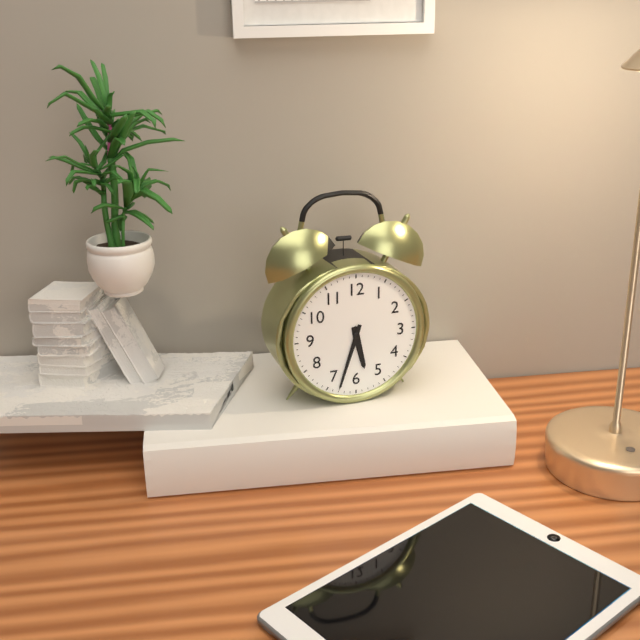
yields h=5 m=33
